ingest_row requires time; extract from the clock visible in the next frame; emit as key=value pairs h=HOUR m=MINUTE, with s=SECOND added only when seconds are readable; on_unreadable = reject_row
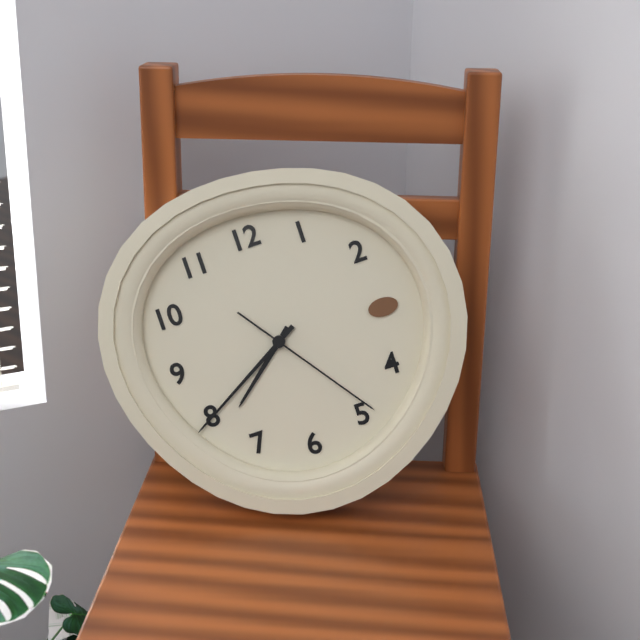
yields h=7 m=40 s=24
